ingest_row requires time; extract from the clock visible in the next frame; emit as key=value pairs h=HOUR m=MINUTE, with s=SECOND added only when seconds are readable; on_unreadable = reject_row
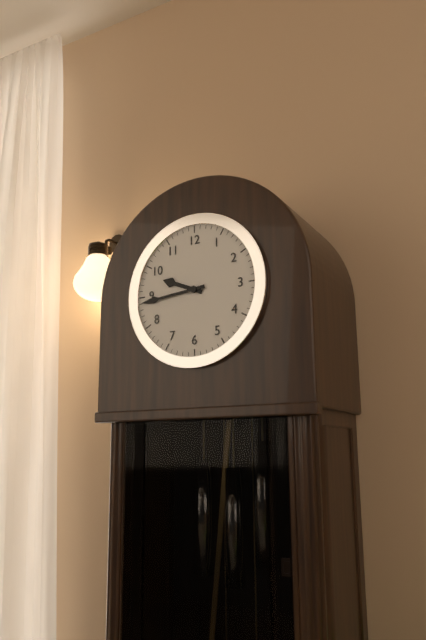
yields h=9 m=44
